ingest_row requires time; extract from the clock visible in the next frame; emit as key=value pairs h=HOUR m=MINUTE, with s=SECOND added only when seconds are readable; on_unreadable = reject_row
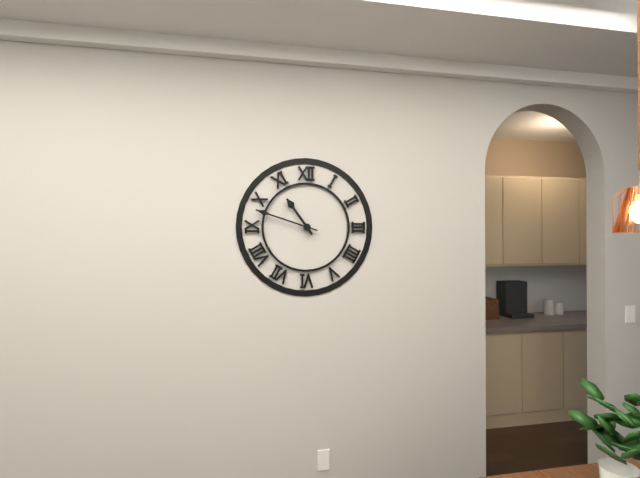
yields h=10 m=48
